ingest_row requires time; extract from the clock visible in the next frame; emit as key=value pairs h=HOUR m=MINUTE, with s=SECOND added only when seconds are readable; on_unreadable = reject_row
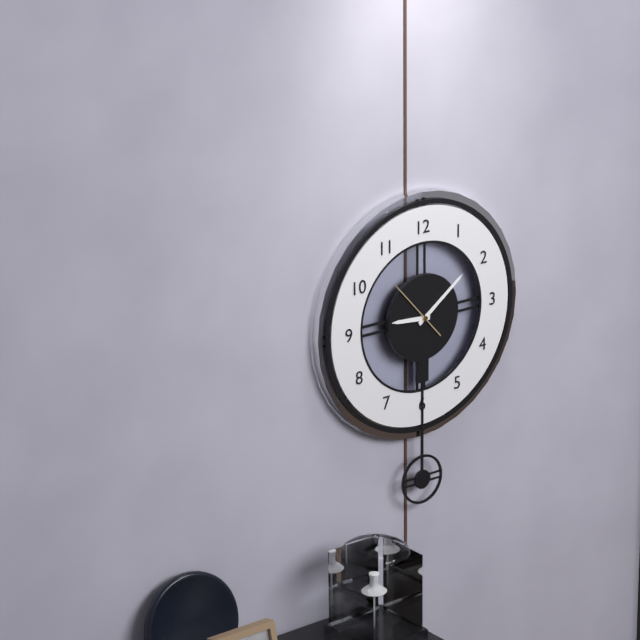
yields h=9 m=9
